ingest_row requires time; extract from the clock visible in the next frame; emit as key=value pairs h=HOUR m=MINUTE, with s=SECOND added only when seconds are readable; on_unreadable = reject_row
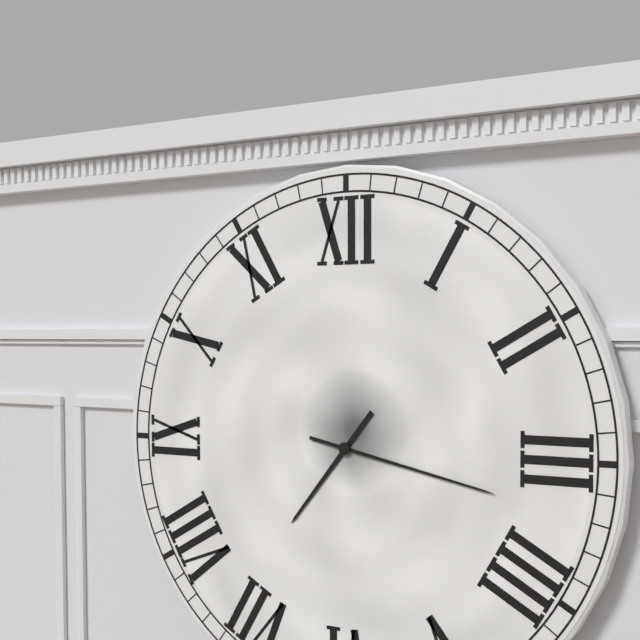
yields h=7 m=17
